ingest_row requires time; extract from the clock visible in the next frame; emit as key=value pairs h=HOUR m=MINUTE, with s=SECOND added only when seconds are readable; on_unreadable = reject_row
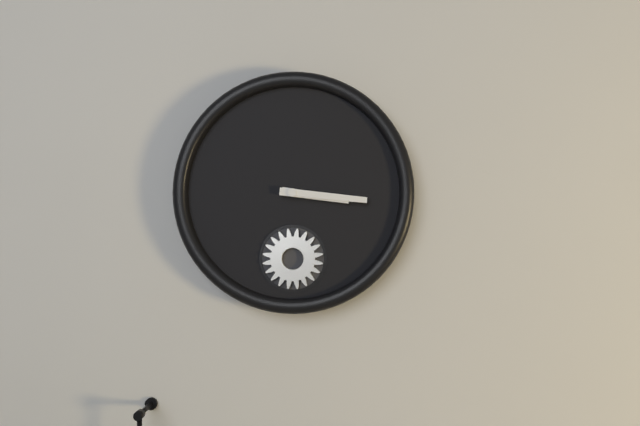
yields h=3 m=16
